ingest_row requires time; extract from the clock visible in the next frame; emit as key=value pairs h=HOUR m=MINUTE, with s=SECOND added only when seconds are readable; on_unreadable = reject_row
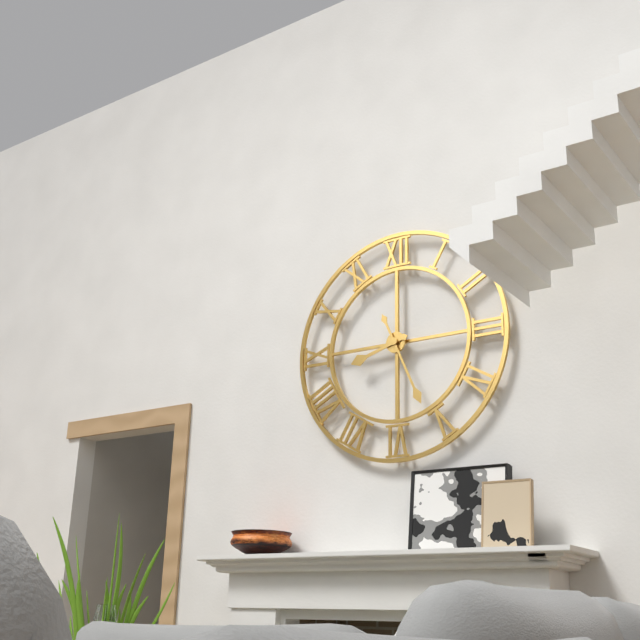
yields h=8 m=26
